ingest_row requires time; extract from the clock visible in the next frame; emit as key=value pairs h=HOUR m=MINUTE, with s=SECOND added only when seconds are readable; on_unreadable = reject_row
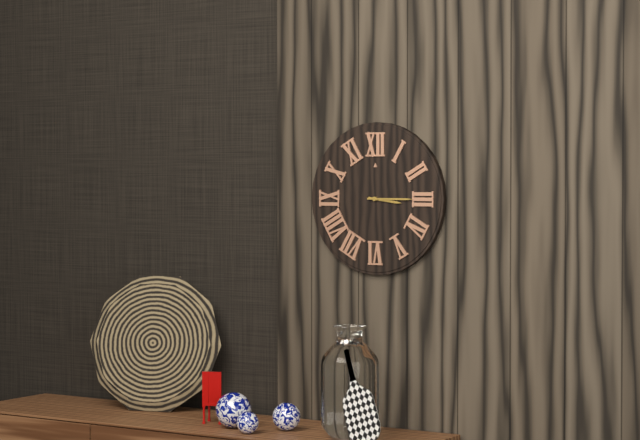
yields h=3 m=15
